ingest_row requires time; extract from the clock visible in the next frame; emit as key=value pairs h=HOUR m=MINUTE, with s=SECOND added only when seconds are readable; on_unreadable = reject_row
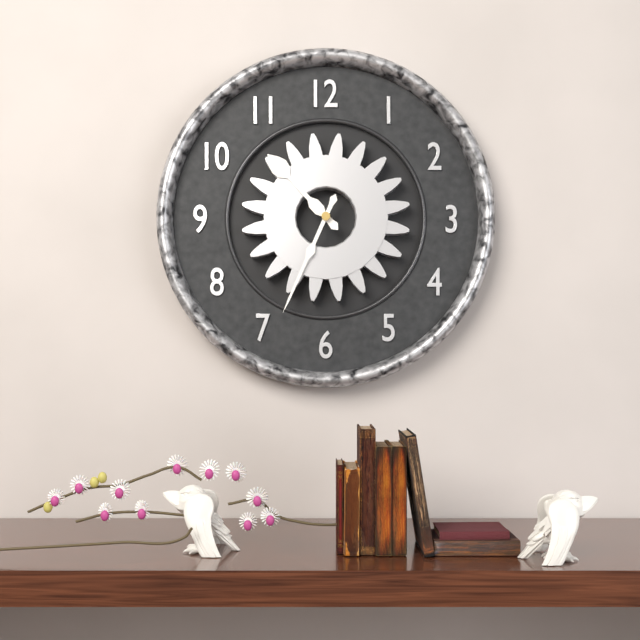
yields h=10 m=34
